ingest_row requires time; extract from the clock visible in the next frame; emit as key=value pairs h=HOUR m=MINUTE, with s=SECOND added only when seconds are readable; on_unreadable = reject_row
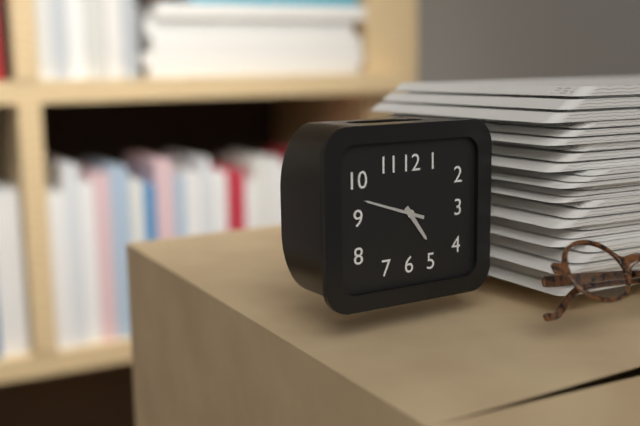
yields h=4 m=48
